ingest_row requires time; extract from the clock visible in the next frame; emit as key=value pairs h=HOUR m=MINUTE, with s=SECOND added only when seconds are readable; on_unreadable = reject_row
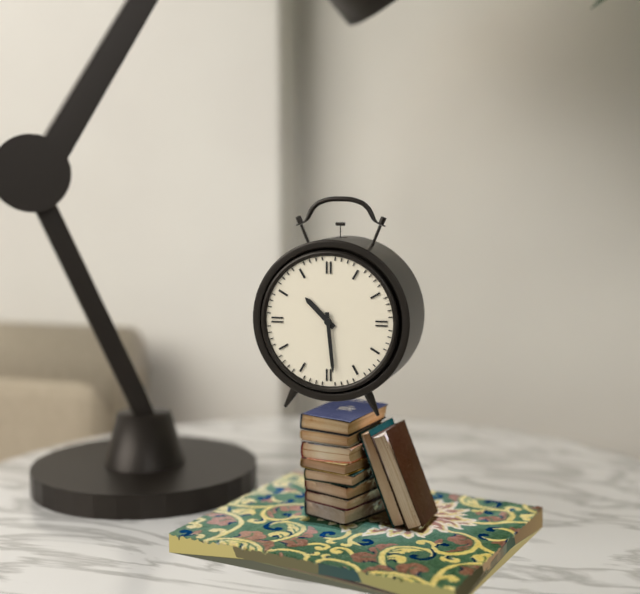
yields h=10 m=29
